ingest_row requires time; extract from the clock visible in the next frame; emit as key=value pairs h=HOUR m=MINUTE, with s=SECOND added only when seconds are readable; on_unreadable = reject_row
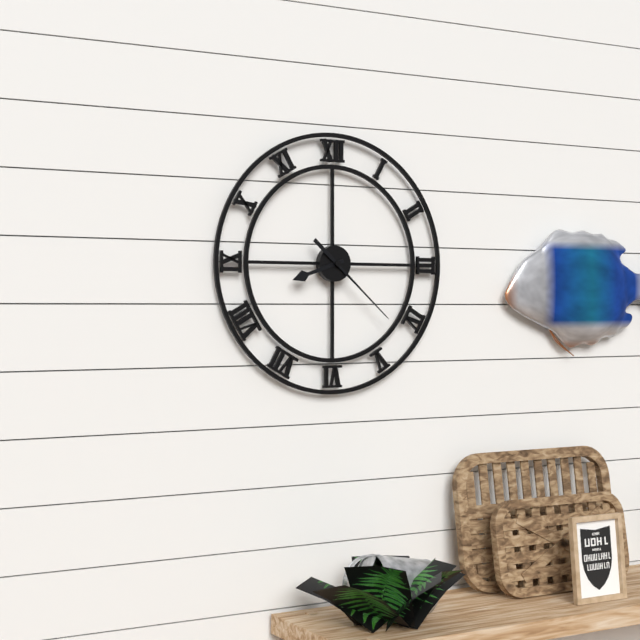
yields h=8 m=22
